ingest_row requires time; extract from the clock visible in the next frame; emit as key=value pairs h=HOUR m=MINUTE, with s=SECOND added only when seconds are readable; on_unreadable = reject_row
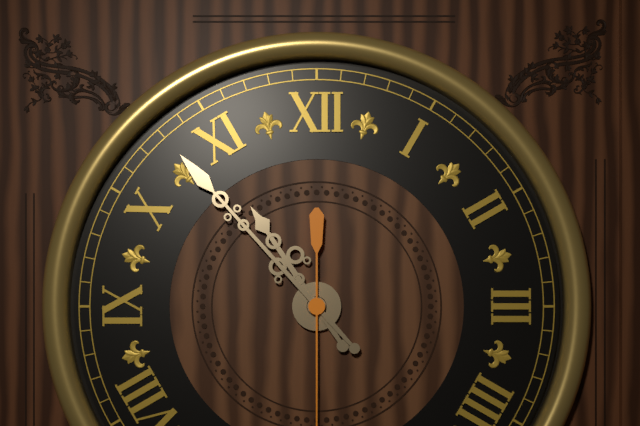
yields h=10 m=53
